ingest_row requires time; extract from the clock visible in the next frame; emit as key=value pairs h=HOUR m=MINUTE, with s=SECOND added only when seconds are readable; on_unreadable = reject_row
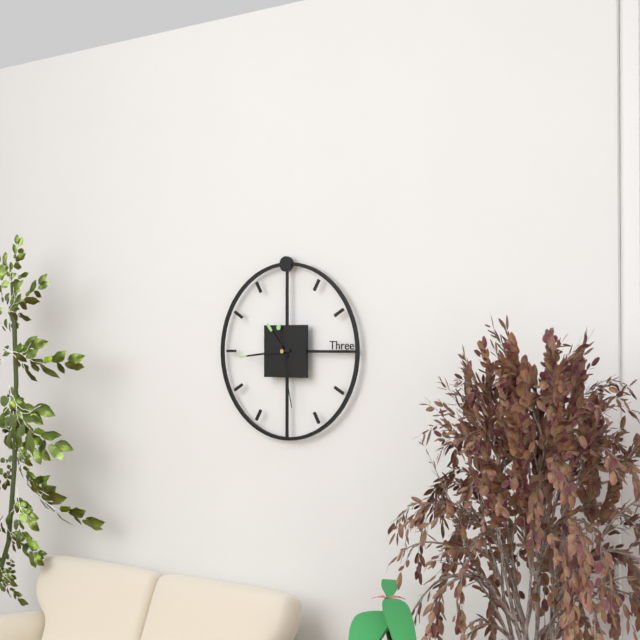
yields h=10 m=44 s=28
